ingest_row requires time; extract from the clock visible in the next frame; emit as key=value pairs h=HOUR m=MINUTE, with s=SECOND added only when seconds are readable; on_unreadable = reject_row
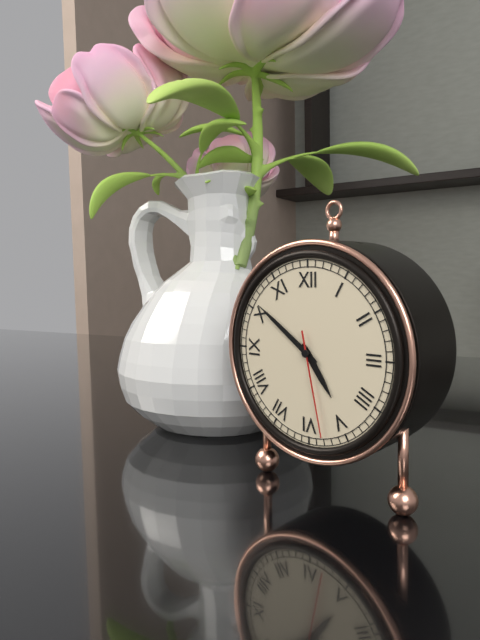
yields h=4 m=51 s=28
